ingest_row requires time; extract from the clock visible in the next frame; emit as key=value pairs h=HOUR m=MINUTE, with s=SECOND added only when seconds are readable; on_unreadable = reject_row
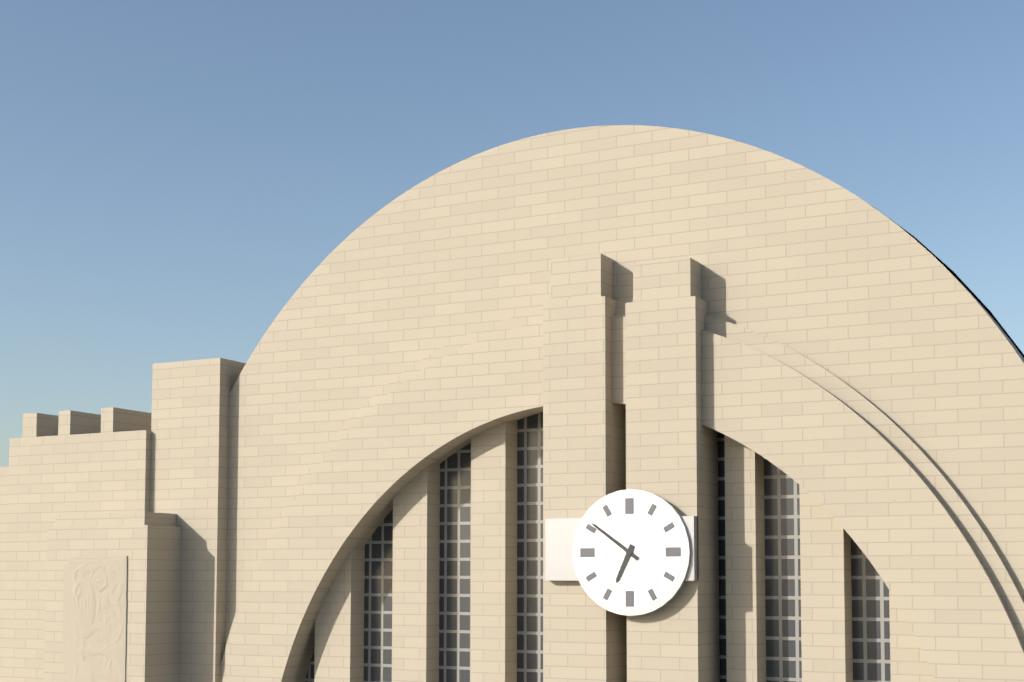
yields h=6 m=51
